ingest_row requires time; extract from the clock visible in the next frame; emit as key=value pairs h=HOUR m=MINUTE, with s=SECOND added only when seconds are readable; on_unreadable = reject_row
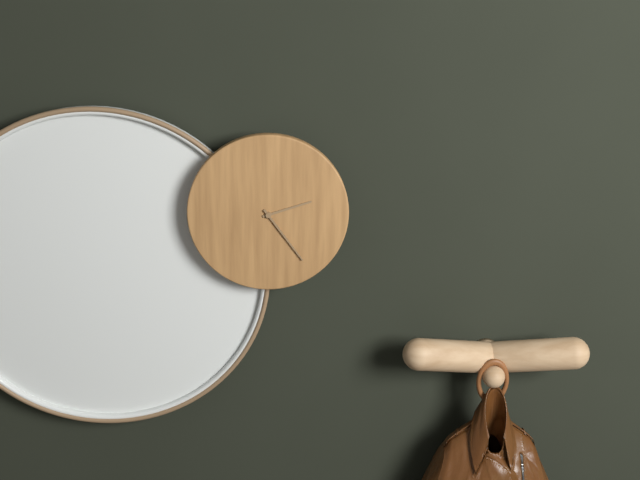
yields h=2 m=24
